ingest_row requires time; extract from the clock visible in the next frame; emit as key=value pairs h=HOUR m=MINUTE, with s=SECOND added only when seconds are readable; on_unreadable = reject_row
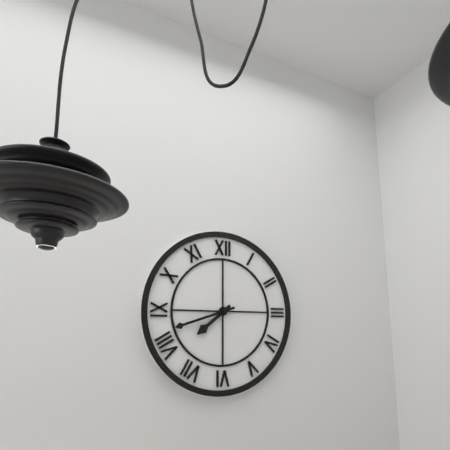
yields h=7 m=42
